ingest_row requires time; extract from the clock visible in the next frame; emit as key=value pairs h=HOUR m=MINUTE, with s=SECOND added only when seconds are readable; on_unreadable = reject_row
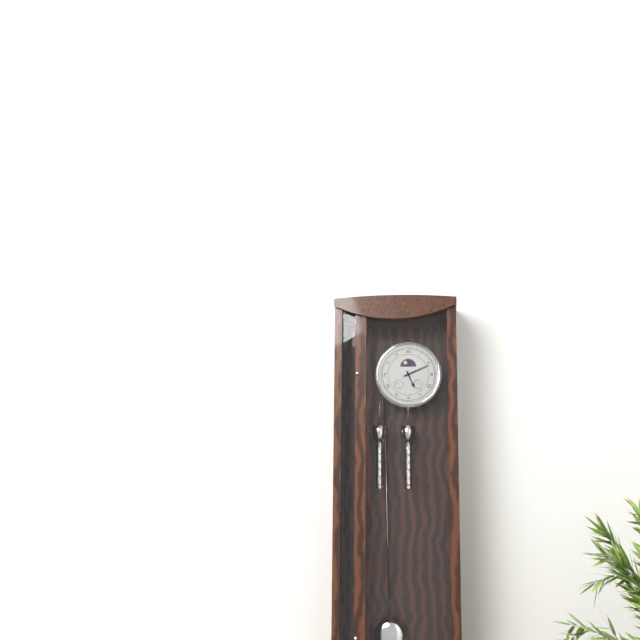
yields h=5 m=11
